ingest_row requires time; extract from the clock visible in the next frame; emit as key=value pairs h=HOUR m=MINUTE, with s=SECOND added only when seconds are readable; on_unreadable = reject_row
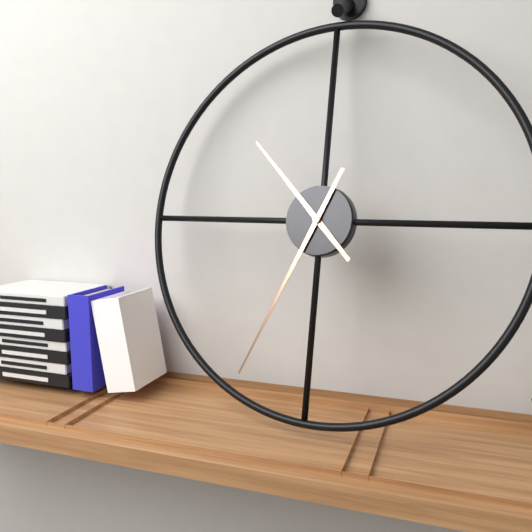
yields h=10 m=34
